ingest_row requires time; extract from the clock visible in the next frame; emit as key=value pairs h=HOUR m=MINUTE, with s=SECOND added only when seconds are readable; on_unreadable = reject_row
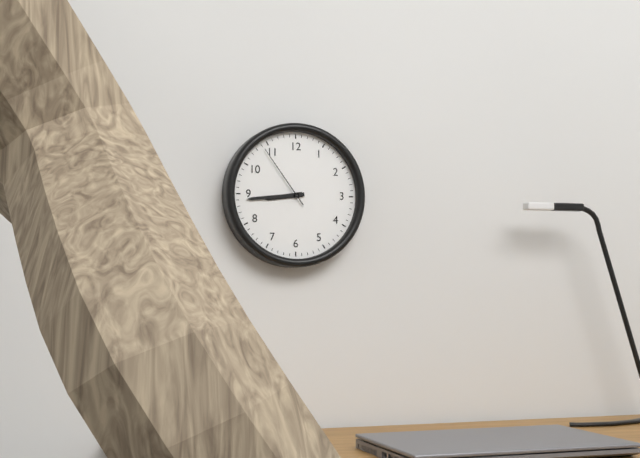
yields h=8 m=44 s=54
